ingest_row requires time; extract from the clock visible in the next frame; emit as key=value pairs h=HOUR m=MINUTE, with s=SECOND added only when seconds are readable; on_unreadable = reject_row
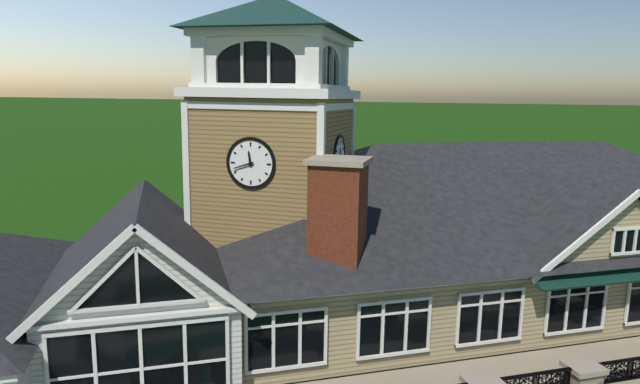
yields h=11 m=42
